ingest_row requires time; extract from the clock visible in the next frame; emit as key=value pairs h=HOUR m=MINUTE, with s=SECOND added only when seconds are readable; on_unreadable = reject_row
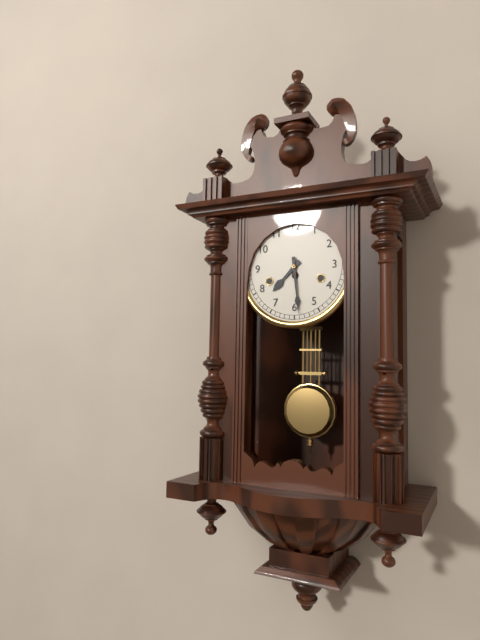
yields h=7 m=29
